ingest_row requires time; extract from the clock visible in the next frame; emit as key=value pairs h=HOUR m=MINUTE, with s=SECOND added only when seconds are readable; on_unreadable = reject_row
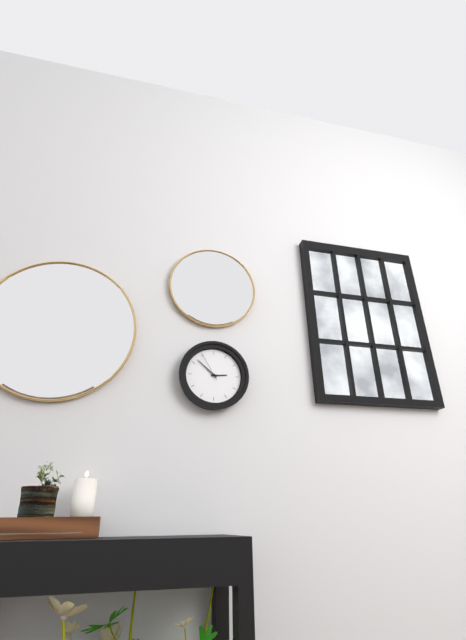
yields h=2 m=52
